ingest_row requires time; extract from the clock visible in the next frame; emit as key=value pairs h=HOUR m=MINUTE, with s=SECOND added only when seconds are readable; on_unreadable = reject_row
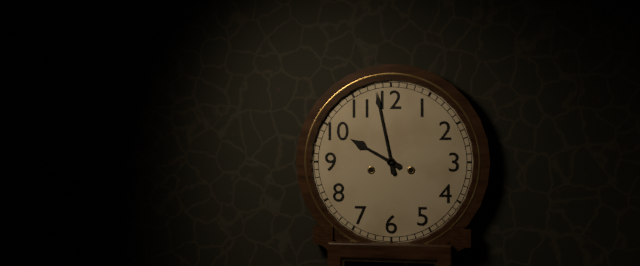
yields h=9 m=58
